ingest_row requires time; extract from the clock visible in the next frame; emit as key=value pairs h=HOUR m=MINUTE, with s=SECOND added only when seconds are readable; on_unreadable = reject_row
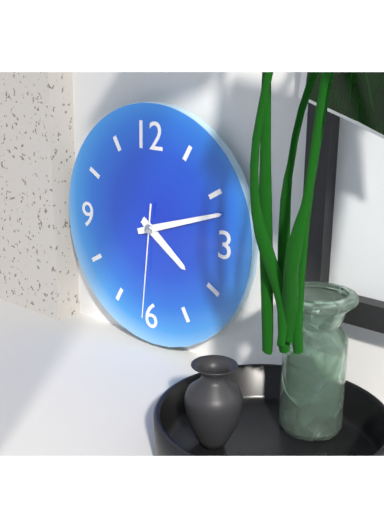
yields h=4 m=12 s=31
